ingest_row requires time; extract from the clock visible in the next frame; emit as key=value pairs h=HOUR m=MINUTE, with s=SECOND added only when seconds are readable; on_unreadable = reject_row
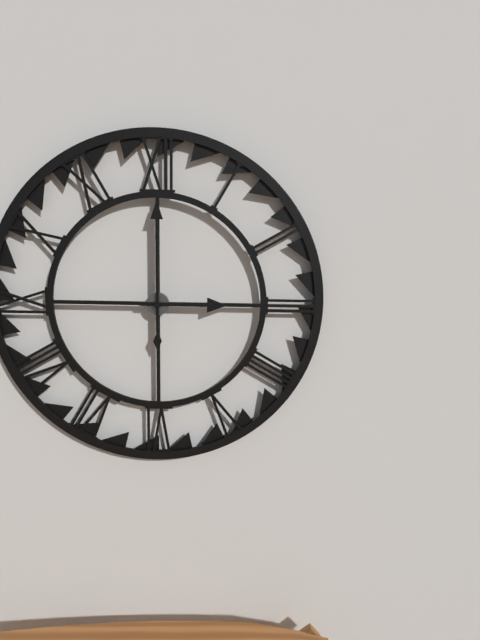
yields h=3 m=0
